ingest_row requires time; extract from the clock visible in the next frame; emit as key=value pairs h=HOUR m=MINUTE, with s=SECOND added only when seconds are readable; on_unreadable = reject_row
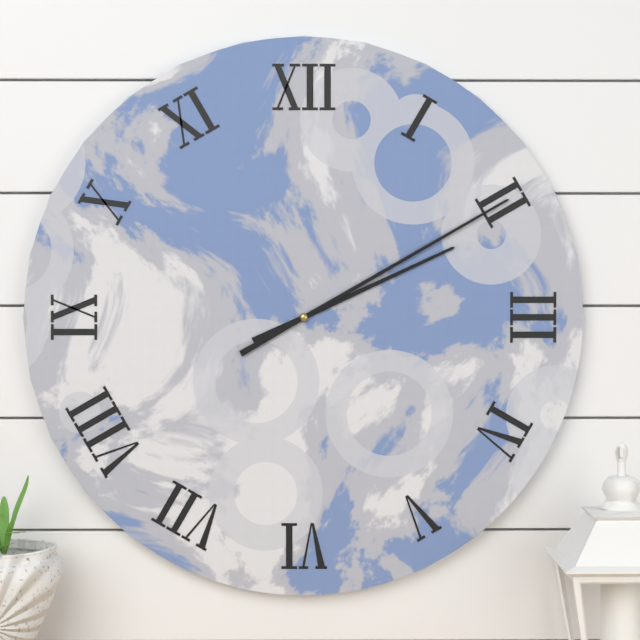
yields h=2 m=10
